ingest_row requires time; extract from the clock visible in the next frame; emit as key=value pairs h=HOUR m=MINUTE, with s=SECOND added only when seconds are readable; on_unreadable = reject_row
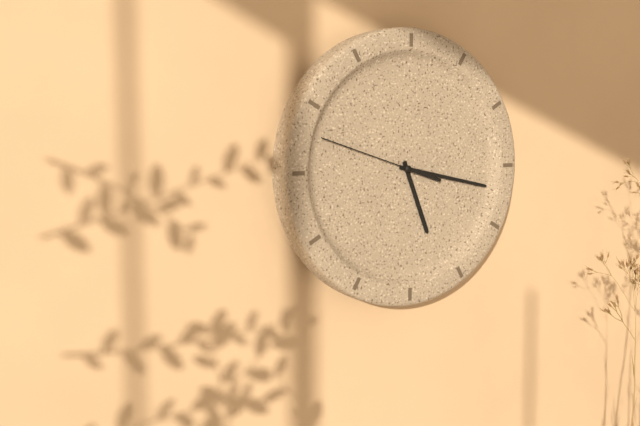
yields h=5 m=17 s=48
